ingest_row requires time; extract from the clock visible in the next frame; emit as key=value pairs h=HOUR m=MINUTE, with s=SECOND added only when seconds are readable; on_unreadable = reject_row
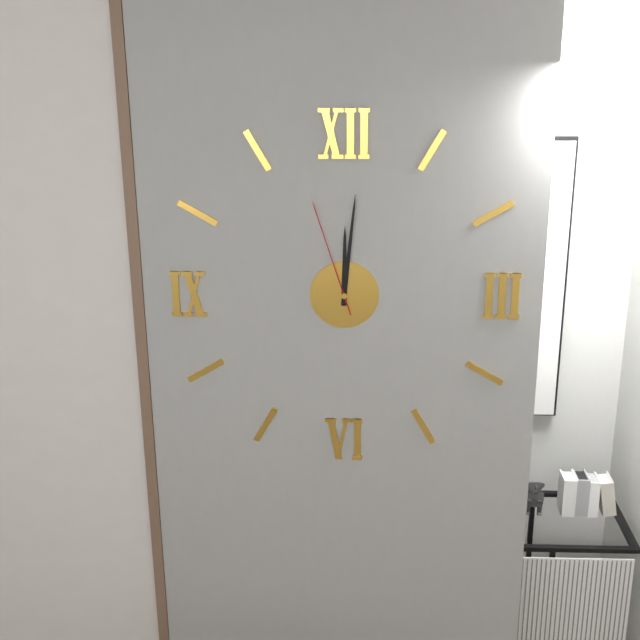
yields h=12 m=1 s=57
